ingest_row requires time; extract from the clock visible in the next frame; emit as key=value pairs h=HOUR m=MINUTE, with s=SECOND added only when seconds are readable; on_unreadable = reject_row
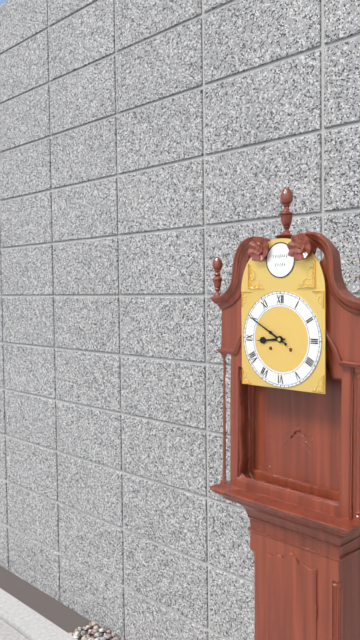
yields h=8 m=50
